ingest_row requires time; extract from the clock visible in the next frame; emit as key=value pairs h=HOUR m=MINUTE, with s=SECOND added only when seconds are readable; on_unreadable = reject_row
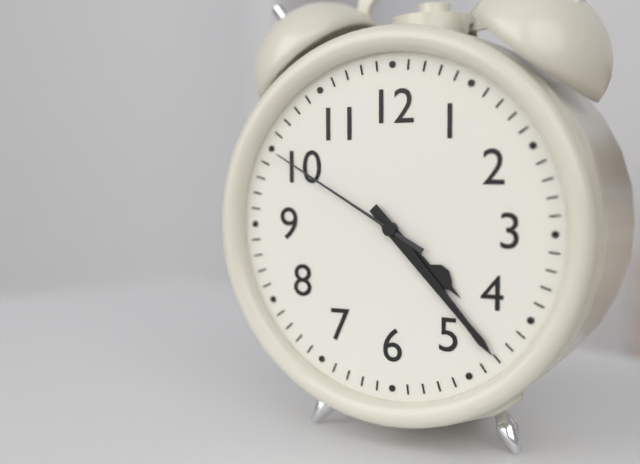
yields h=4 m=23 s=50
